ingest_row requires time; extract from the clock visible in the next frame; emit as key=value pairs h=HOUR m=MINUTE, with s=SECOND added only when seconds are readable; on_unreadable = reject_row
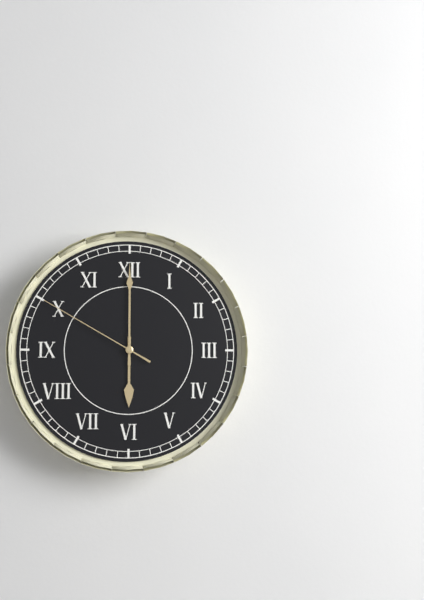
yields h=6 m=0 s=50
